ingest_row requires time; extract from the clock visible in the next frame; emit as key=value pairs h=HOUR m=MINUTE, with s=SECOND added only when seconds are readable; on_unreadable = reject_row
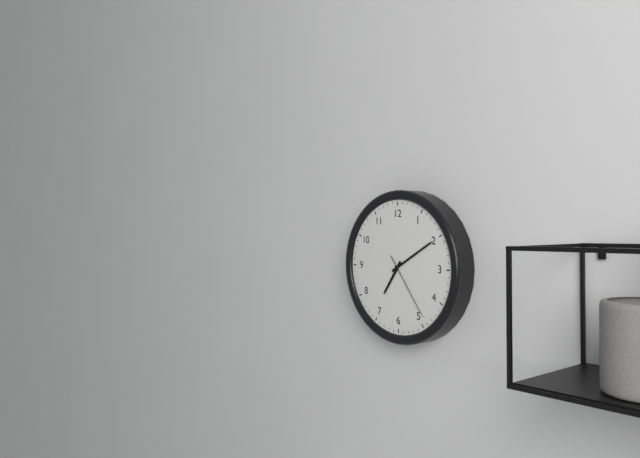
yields h=7 m=10 s=24
